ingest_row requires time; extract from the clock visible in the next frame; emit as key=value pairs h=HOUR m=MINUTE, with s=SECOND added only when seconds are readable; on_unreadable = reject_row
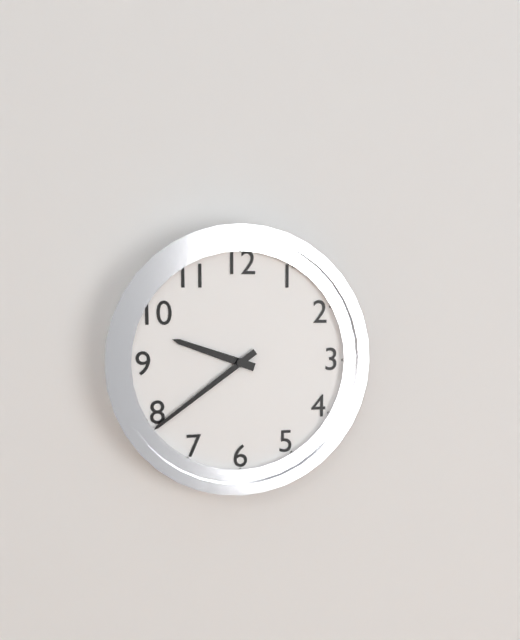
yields h=9 m=39
